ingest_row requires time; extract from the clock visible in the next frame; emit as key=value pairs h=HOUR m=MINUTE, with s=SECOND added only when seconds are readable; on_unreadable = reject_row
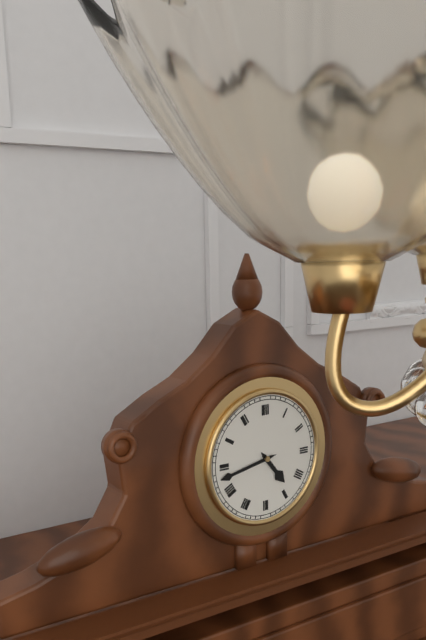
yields h=4 m=43
